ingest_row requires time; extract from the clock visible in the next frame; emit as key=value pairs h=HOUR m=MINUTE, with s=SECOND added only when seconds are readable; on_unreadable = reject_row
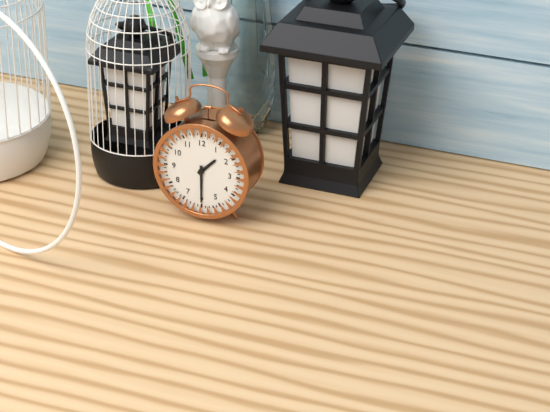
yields h=1 m=30
